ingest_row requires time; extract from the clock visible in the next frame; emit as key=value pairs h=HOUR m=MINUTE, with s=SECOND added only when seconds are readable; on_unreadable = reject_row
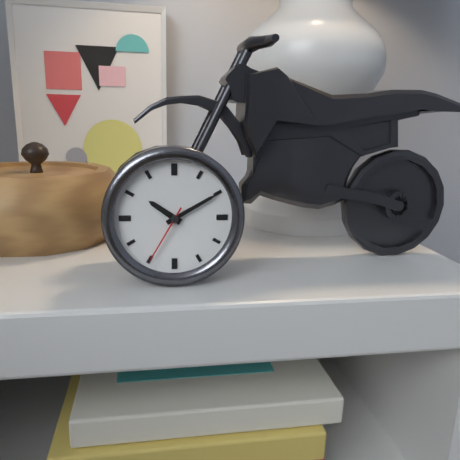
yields h=10 m=10 s=35
